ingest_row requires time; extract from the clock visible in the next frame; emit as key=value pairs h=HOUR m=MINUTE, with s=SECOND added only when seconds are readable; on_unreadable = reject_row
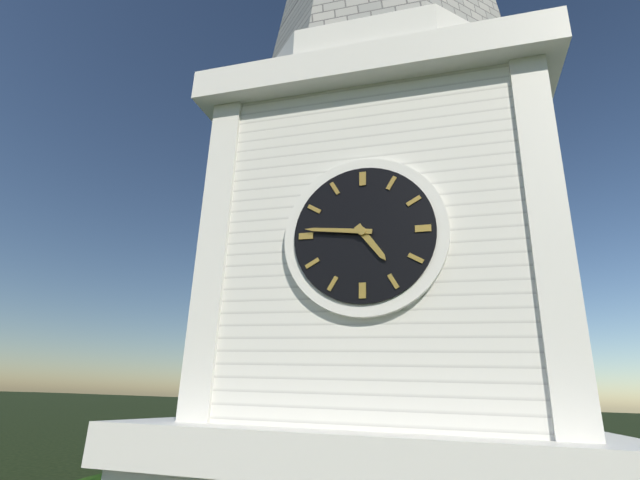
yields h=4 m=46
